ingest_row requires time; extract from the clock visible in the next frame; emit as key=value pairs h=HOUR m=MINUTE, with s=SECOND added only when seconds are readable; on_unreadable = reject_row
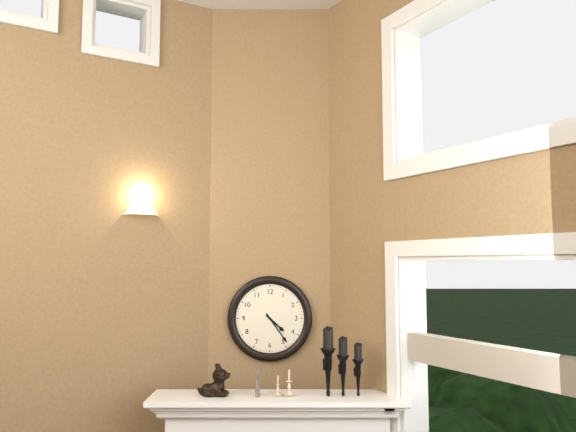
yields h=4 m=24
